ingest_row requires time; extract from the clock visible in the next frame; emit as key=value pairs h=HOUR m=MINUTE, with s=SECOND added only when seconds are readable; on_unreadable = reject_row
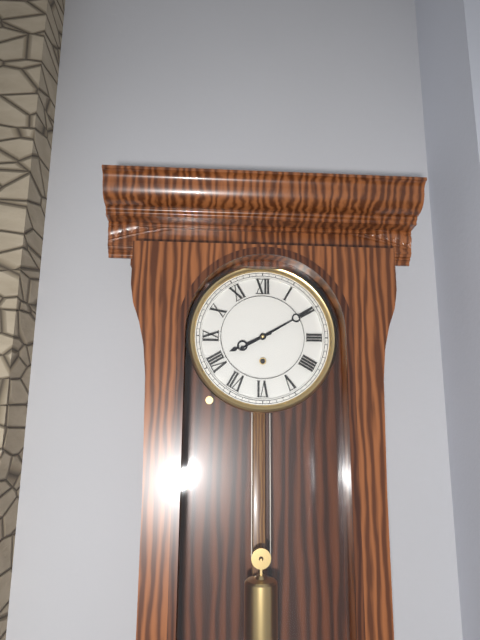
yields h=8 m=10
